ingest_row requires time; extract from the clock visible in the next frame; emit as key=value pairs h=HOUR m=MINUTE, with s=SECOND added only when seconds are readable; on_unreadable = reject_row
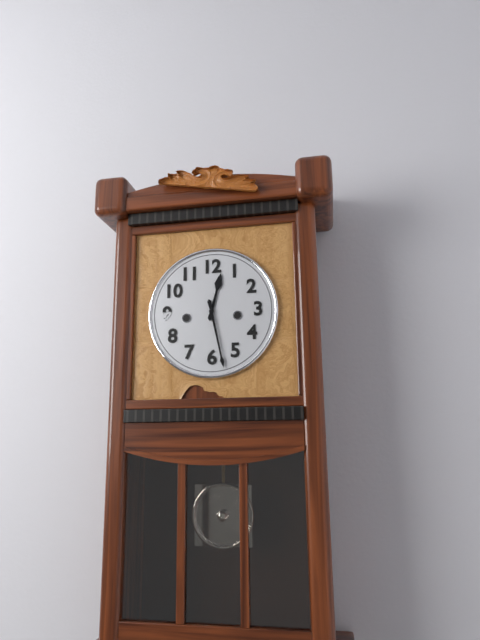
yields h=12 m=28
